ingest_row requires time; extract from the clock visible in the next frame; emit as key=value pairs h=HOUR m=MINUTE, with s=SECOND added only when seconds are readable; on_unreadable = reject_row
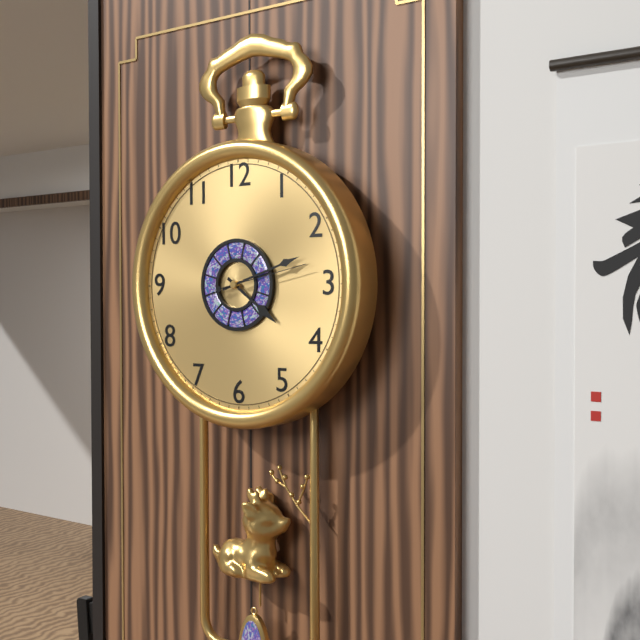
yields h=4 m=12 s=13
